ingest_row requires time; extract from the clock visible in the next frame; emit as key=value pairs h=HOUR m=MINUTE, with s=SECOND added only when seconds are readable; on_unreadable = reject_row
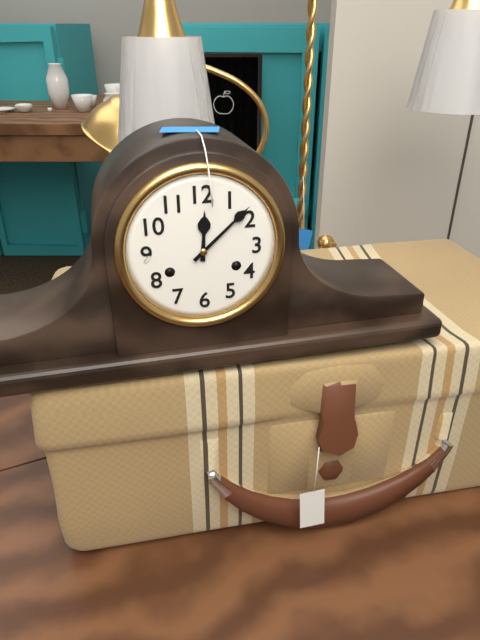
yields h=12 m=8
